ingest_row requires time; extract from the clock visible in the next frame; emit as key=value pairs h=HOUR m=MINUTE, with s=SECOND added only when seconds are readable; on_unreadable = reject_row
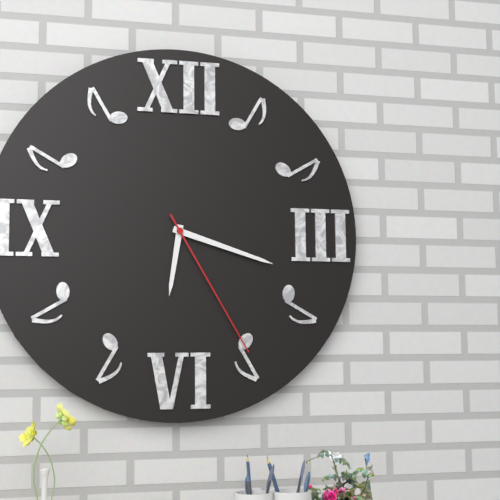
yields h=6 m=18 s=25
